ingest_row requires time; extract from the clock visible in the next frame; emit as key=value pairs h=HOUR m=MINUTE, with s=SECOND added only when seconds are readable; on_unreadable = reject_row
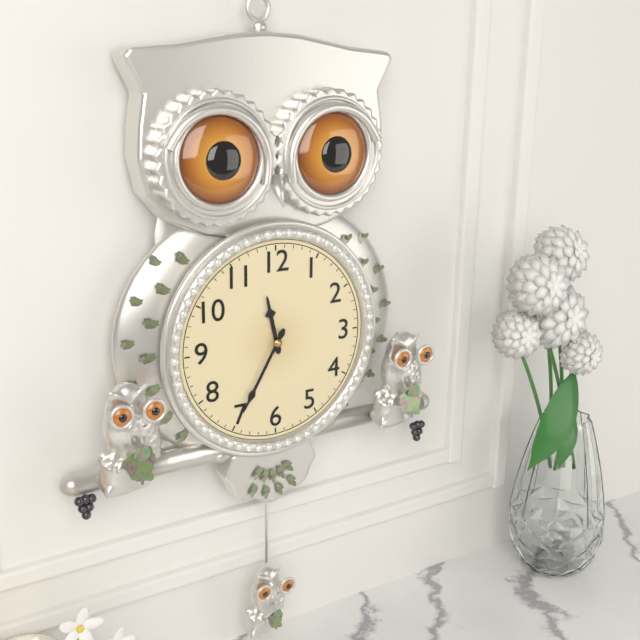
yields h=11 m=35
